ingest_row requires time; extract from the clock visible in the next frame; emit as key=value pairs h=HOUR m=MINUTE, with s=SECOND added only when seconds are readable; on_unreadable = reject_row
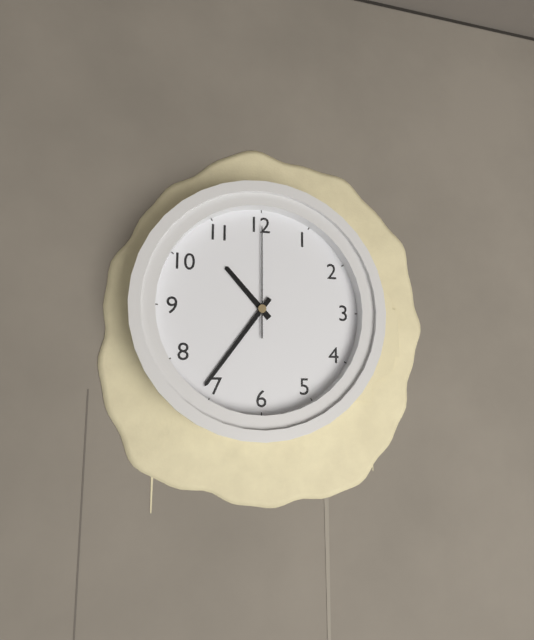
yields h=10 m=36 s=0
